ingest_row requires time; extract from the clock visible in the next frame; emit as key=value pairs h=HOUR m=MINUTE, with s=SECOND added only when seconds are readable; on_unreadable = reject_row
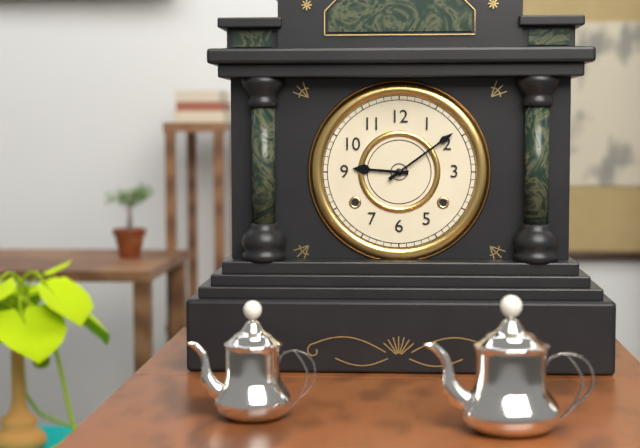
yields h=9 m=9
